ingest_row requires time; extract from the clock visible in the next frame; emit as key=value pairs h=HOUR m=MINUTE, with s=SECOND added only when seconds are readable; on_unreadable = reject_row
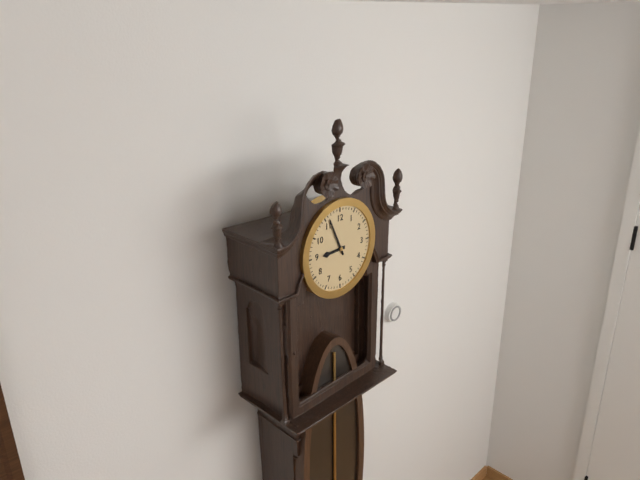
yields h=8 m=56
